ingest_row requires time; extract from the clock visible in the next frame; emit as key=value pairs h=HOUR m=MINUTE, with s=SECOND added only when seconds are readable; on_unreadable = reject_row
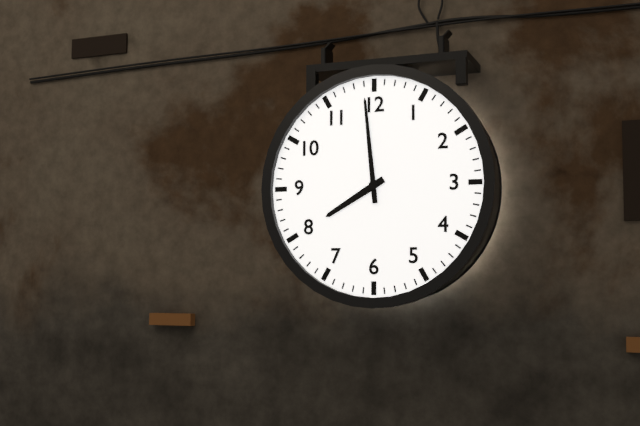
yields h=7 m=59
